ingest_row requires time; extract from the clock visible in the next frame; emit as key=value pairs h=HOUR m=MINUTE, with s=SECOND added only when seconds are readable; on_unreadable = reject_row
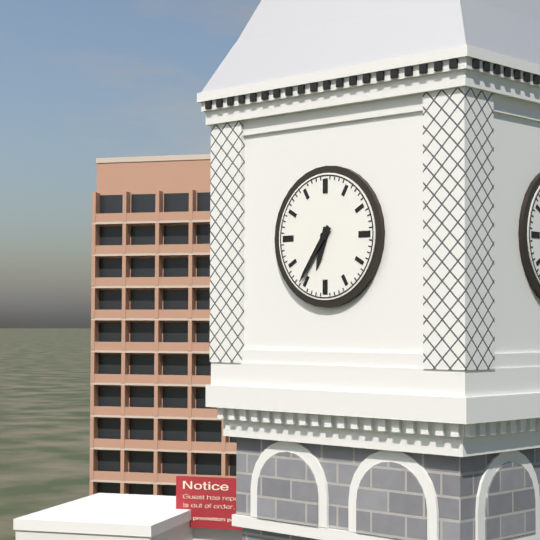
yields h=6 m=36
